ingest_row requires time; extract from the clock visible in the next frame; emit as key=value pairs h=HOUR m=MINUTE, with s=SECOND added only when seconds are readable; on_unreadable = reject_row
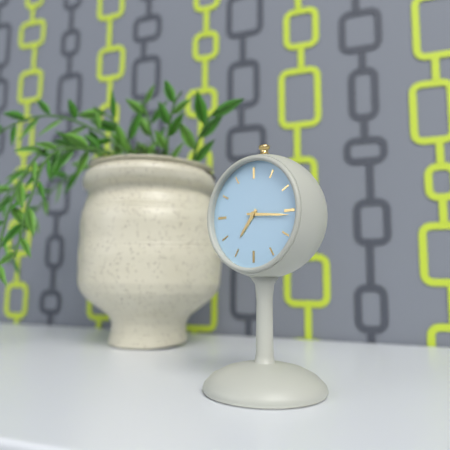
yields h=7 m=16
